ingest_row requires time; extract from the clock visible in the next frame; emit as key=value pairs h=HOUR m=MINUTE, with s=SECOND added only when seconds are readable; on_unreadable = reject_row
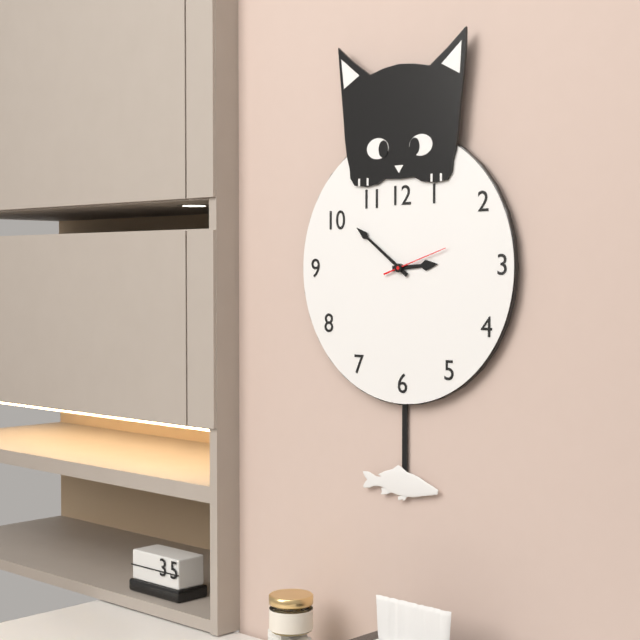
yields h=2 m=51 s=12
